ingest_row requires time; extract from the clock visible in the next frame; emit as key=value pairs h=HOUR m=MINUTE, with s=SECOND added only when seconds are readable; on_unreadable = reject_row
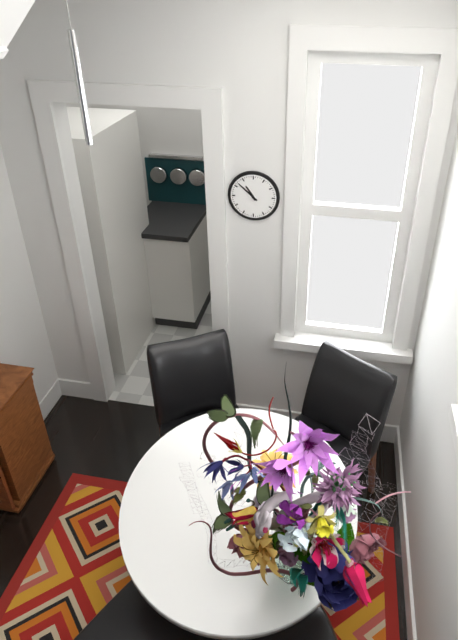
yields h=10 m=52
